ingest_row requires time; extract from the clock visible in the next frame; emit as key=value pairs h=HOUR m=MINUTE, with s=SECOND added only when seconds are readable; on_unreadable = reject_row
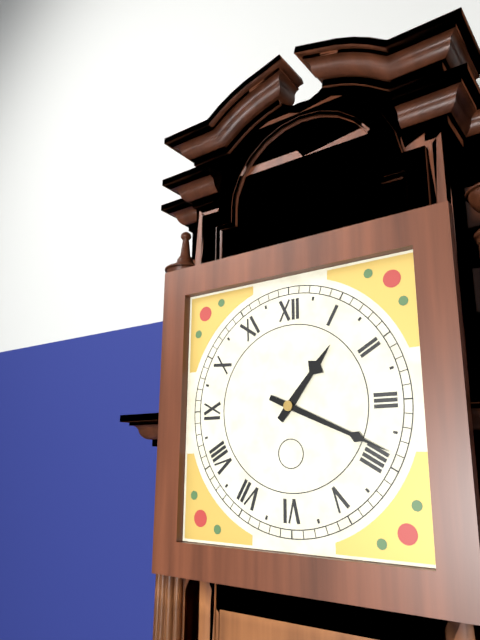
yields h=1 m=19
